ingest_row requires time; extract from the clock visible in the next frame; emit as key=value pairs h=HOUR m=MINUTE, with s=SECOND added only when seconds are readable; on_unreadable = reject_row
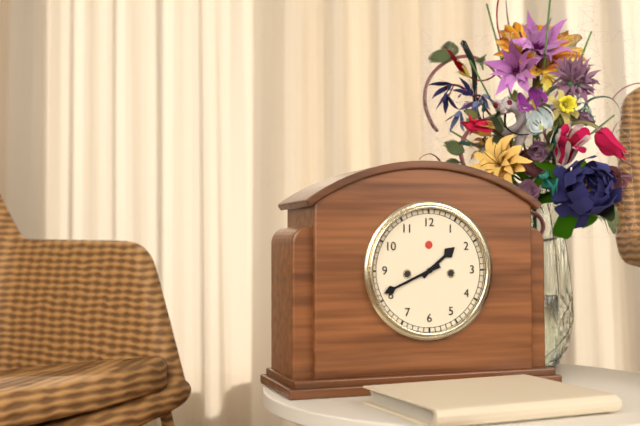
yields h=1 m=41
